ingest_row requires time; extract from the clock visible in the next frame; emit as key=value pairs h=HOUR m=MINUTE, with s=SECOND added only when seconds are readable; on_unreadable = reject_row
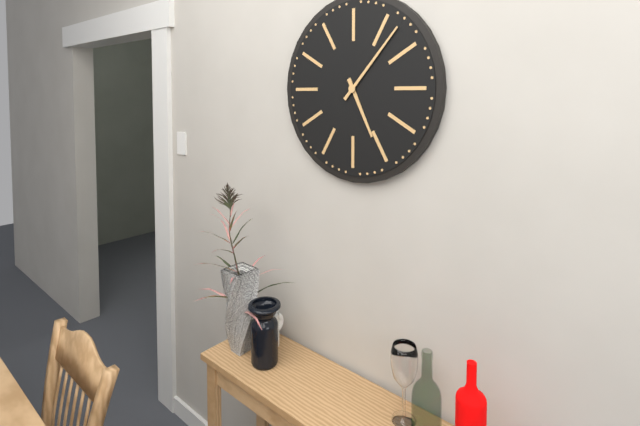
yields h=5 m=7
